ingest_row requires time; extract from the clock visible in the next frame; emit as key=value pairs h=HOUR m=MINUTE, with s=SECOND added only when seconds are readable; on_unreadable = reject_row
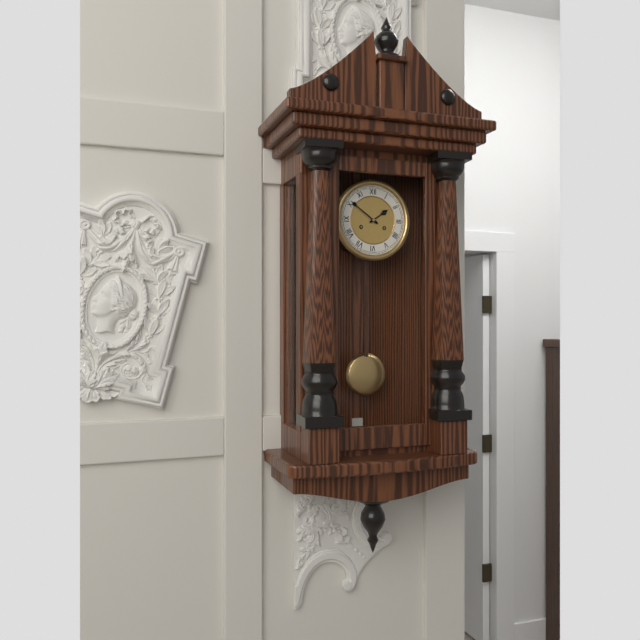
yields h=1 m=51
